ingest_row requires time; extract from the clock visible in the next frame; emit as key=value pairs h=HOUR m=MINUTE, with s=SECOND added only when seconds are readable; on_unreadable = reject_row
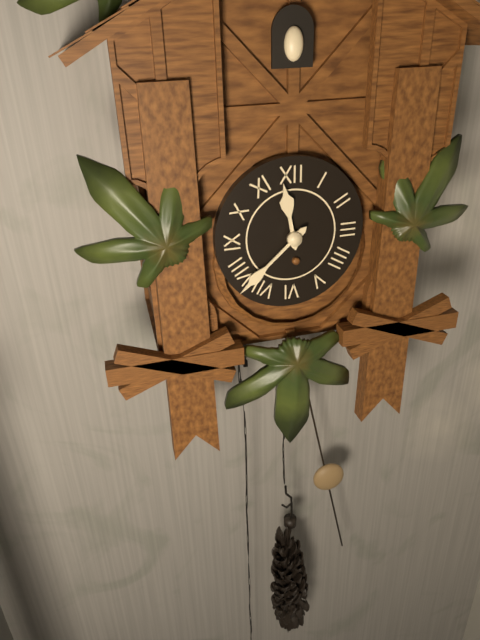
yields h=11 m=38
